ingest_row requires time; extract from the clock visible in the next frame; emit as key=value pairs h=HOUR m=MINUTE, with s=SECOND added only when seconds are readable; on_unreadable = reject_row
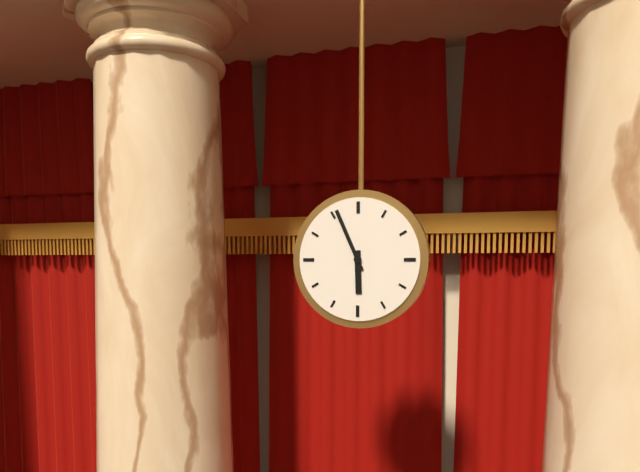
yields h=5 m=56
